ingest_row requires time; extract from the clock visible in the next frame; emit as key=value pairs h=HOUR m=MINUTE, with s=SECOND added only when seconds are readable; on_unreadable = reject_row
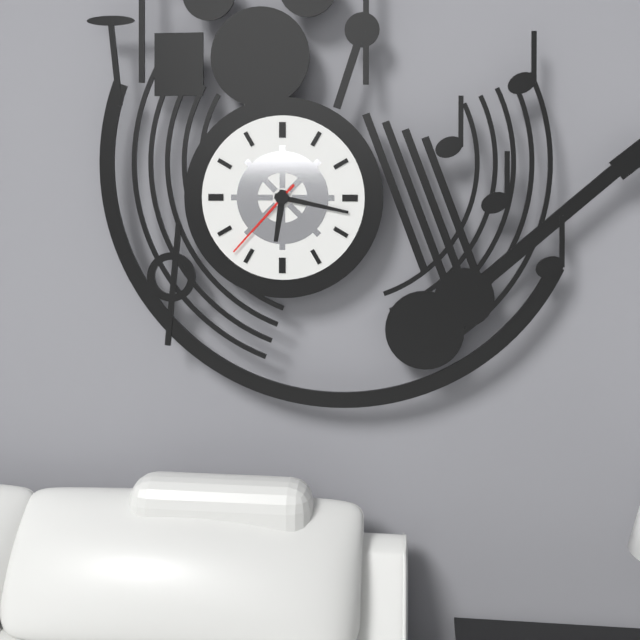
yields h=6 m=17 s=37
